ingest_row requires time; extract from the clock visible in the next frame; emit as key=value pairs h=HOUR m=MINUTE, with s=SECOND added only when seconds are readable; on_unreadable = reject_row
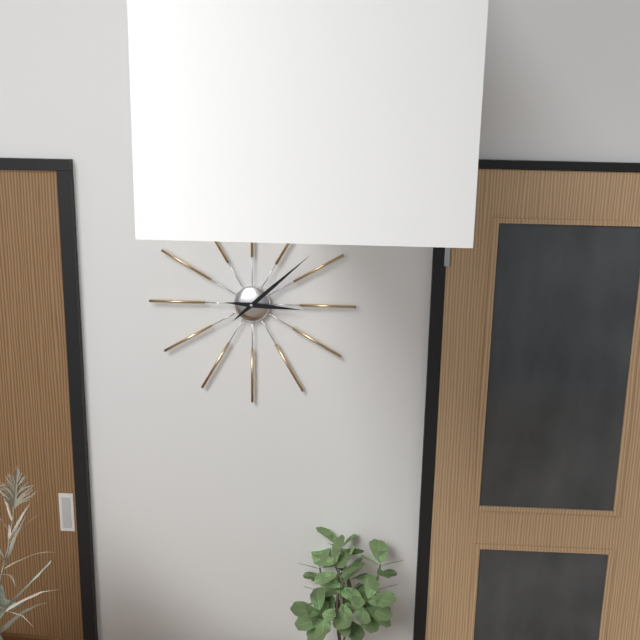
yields h=3 m=8
